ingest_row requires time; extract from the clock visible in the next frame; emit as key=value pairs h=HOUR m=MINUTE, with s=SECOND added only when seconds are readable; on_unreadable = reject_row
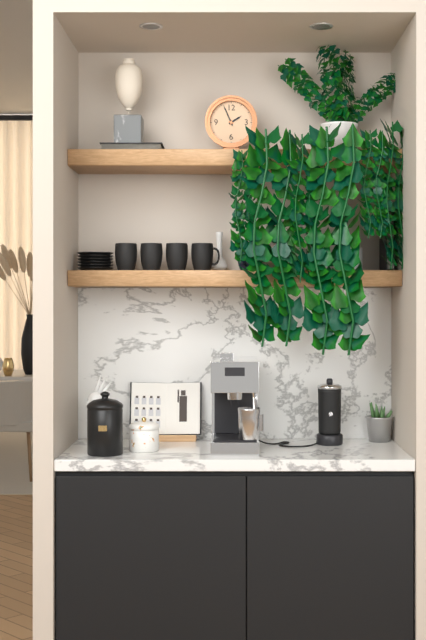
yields h=1 m=56
